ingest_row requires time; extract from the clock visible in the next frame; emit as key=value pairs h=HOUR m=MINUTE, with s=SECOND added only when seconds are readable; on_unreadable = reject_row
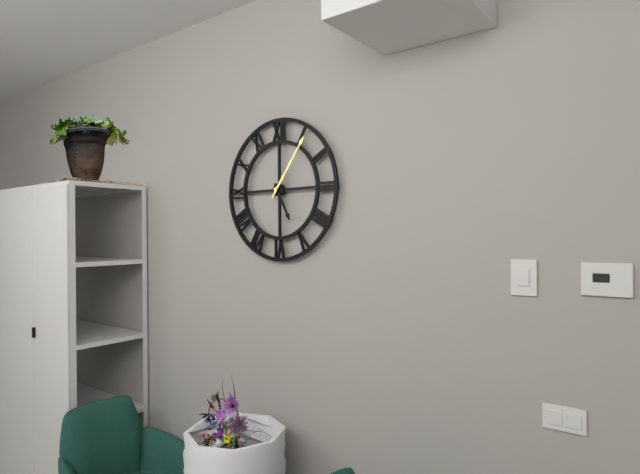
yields h=5 m=6
